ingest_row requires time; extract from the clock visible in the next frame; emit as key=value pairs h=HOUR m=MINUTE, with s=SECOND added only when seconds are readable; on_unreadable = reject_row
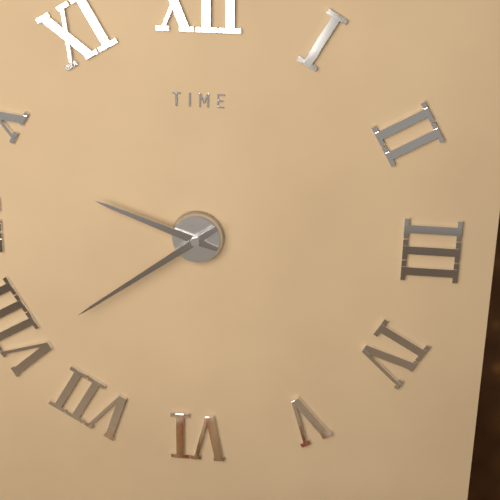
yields h=9 m=39
